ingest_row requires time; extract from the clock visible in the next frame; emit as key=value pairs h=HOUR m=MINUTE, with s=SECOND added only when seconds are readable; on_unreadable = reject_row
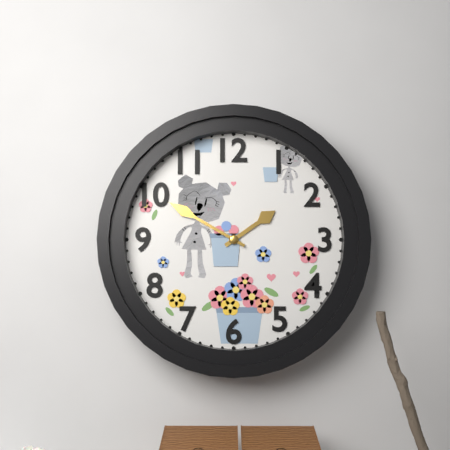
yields h=1 m=50
